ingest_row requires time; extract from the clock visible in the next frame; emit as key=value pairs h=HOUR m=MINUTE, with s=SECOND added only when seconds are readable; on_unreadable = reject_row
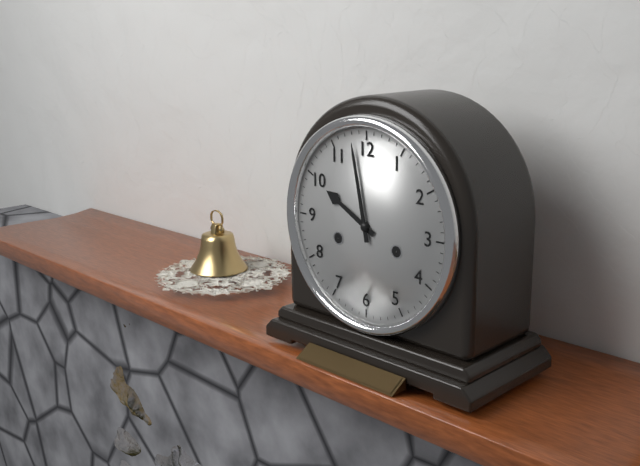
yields h=9 m=58
